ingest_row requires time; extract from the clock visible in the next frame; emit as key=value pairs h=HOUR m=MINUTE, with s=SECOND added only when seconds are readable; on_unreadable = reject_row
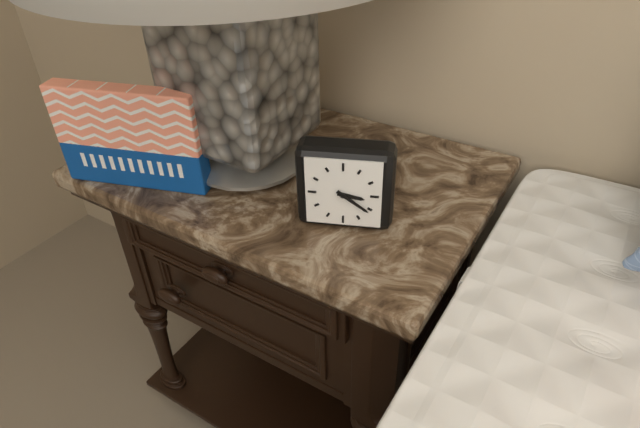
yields h=3 m=21
